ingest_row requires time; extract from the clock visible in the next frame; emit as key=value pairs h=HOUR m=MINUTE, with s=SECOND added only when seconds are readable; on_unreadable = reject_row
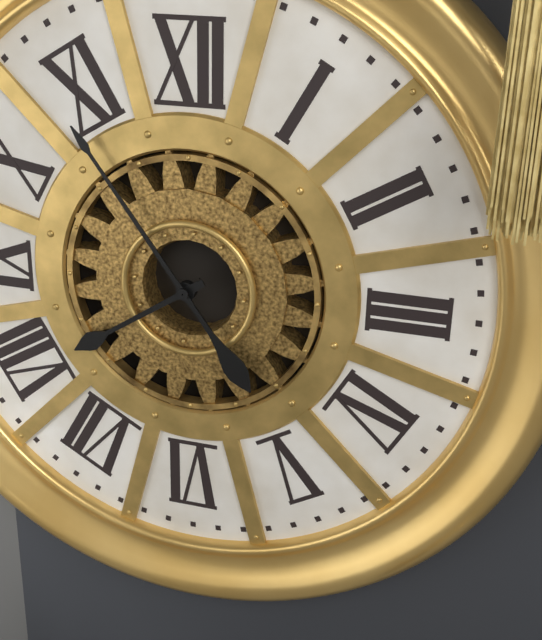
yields h=7 m=54
